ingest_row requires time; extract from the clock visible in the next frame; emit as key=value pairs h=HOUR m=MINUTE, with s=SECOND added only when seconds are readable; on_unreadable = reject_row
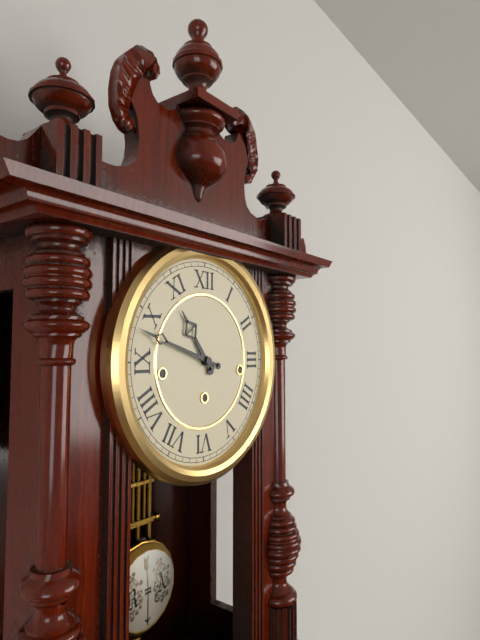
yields h=10 m=48
